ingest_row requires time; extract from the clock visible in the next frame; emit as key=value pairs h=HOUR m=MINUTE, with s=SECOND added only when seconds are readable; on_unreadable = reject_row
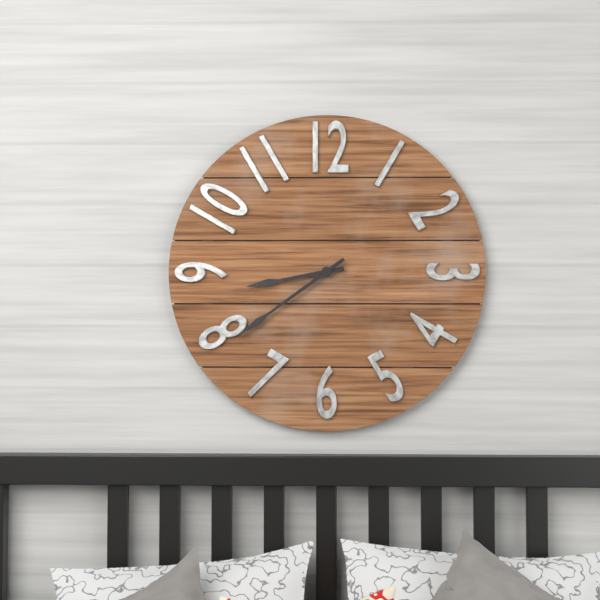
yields h=8 m=39
